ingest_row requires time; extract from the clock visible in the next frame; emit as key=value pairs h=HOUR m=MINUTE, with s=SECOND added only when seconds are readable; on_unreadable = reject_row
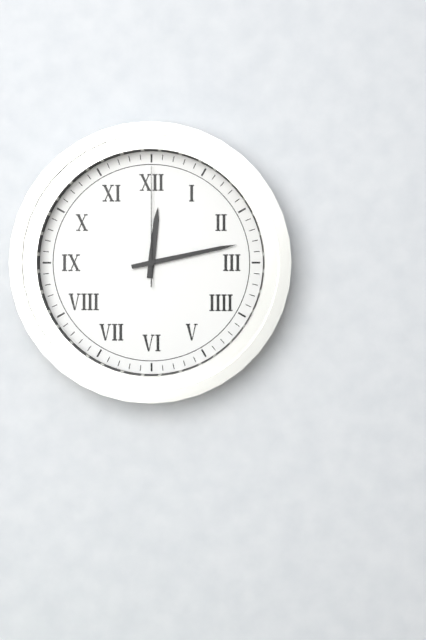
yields h=12 m=13 s=0
